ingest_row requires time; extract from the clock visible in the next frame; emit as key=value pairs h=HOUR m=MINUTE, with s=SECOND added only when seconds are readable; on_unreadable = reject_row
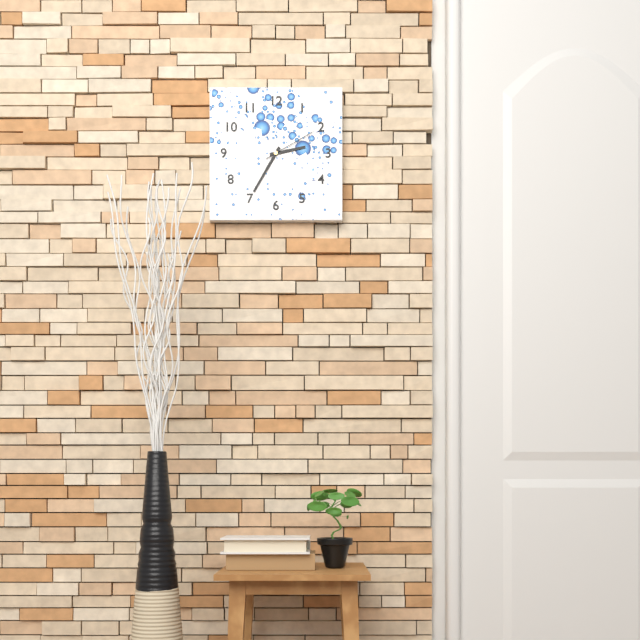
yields h=2 m=35 s=10
